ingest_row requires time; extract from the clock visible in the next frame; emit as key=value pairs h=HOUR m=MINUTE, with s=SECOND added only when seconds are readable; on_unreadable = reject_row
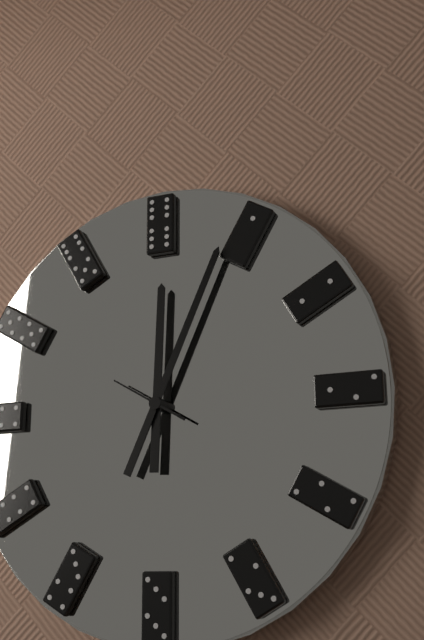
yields h=12 m=4 s=50
